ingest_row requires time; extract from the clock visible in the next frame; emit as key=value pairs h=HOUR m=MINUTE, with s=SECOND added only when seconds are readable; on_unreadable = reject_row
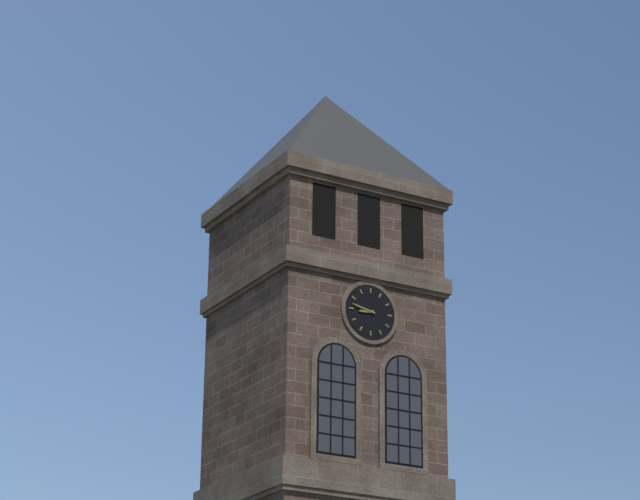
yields h=8 m=47
